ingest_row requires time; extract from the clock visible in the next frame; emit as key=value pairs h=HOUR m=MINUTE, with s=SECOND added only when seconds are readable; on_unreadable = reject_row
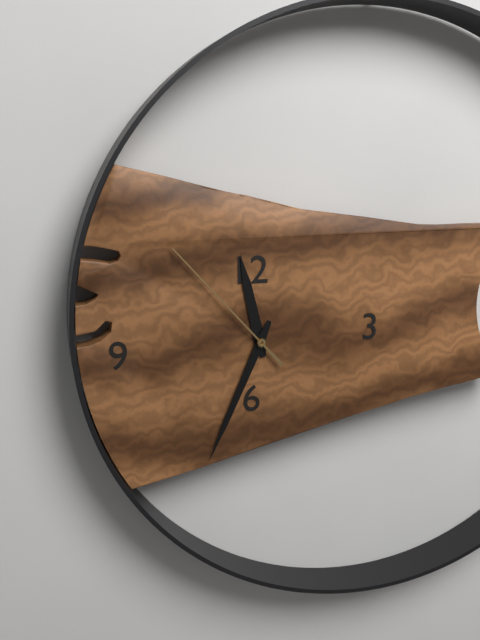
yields h=11 m=34 s=53
